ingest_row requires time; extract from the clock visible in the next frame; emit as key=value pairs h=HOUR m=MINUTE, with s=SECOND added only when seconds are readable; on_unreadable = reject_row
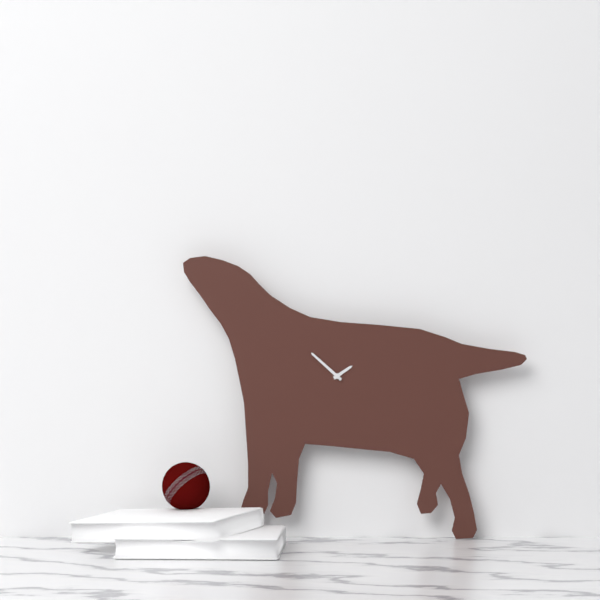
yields h=1 m=52
